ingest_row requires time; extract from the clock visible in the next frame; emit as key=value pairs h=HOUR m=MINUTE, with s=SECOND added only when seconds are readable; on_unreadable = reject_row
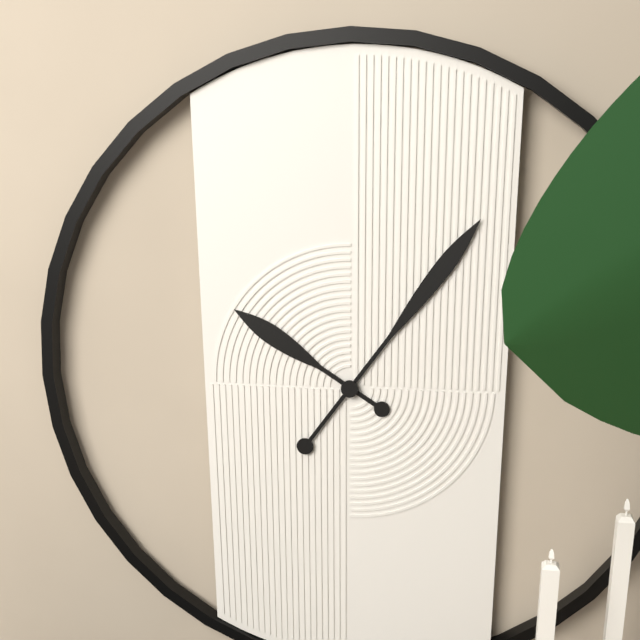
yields h=10 m=6
